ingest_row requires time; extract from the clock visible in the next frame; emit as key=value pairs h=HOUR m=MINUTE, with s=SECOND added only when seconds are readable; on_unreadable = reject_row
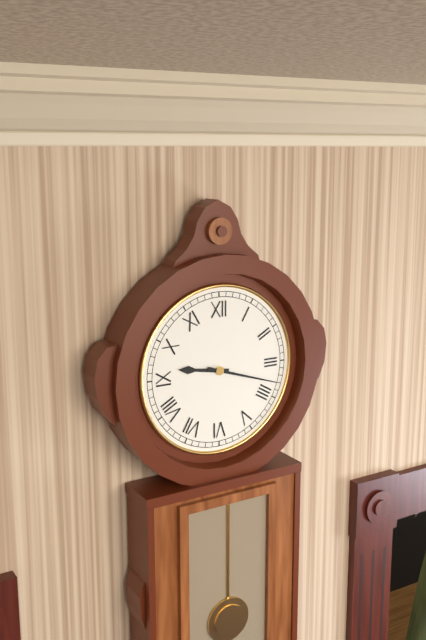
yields h=9 m=18
